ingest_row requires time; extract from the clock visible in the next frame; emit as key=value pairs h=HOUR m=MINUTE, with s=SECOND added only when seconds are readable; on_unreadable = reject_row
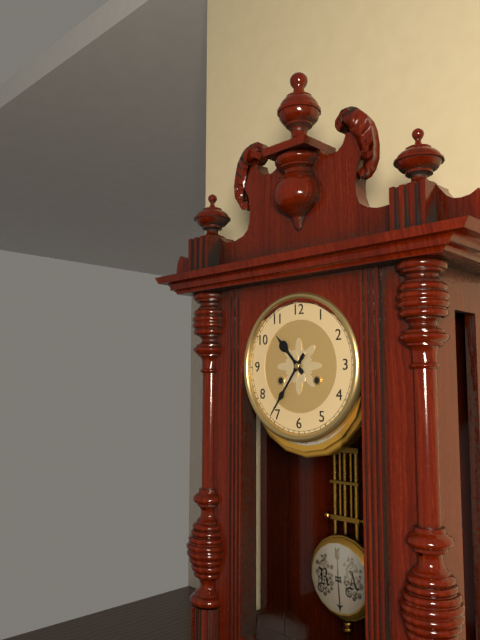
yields h=10 m=36
